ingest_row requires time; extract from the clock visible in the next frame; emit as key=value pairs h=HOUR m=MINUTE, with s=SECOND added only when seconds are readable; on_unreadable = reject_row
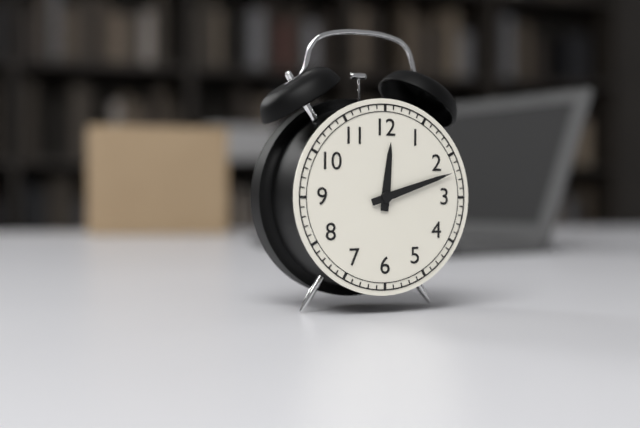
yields h=12 m=12
